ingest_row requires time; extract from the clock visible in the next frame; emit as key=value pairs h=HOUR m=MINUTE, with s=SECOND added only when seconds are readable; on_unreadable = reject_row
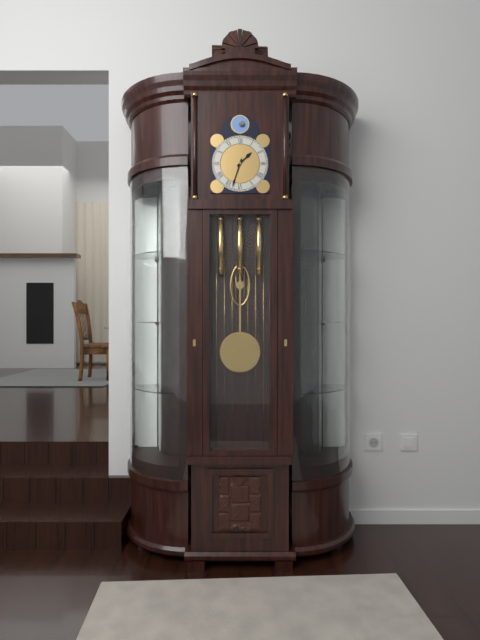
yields h=1 m=33
